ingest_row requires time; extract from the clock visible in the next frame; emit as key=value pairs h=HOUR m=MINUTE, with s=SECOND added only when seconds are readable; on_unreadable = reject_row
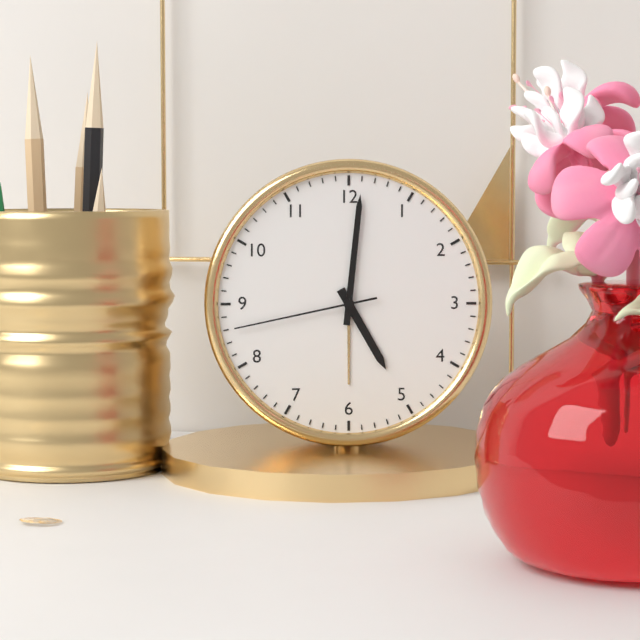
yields h=5 m=1 s=43
